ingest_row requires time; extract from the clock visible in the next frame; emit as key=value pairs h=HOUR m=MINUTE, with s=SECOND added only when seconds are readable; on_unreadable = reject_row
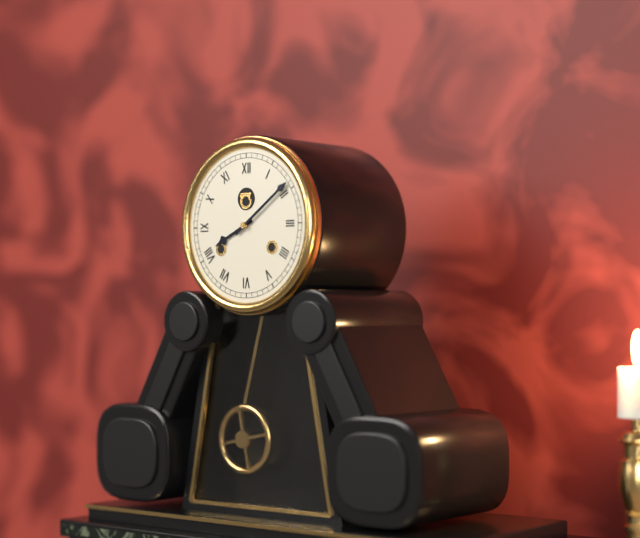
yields h=8 m=9
